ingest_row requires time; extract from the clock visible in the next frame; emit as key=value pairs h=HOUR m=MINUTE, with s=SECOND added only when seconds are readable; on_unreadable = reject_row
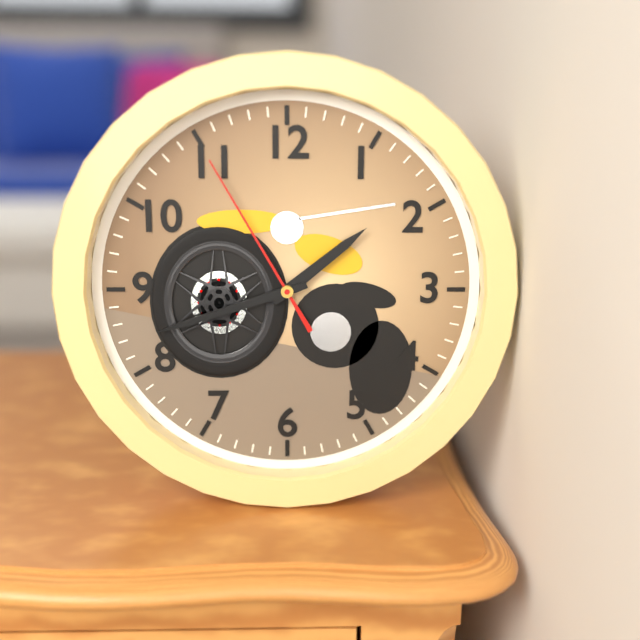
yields h=1 m=42 s=55
